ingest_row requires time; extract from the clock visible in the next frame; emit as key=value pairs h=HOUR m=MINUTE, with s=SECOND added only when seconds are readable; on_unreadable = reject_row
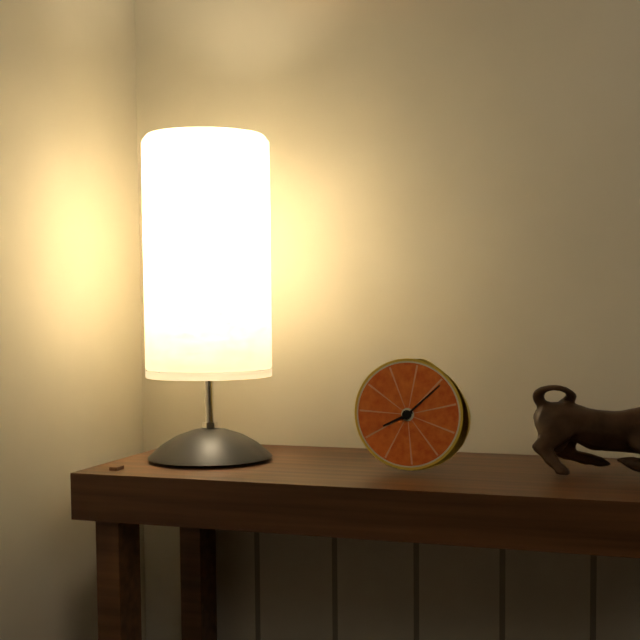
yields h=8 m=8
